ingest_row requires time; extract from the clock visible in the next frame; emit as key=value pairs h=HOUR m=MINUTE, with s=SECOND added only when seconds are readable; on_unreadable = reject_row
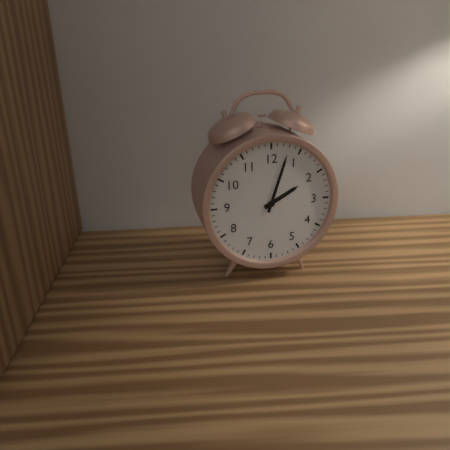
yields h=2 m=3
